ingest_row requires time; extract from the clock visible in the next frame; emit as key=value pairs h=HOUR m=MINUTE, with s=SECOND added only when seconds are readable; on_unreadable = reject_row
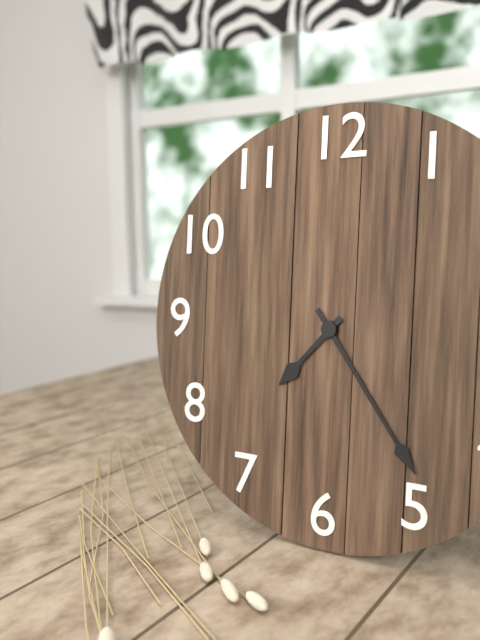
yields h=7 m=24
